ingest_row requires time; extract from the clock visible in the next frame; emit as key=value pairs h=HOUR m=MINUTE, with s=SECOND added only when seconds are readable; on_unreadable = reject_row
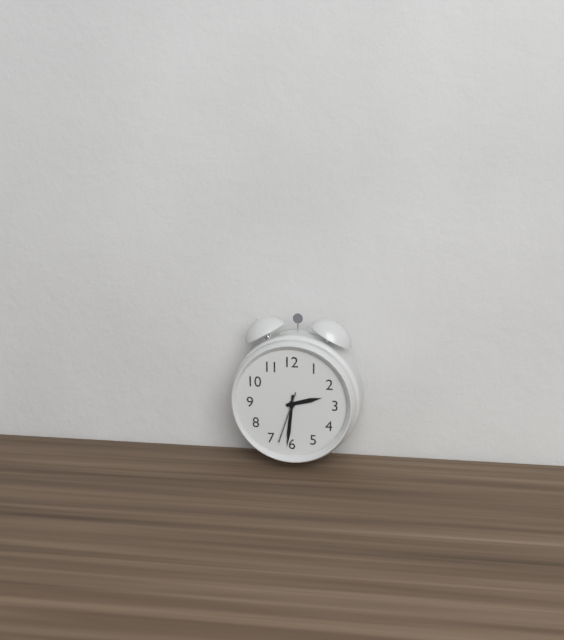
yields h=2 m=31 s=33
